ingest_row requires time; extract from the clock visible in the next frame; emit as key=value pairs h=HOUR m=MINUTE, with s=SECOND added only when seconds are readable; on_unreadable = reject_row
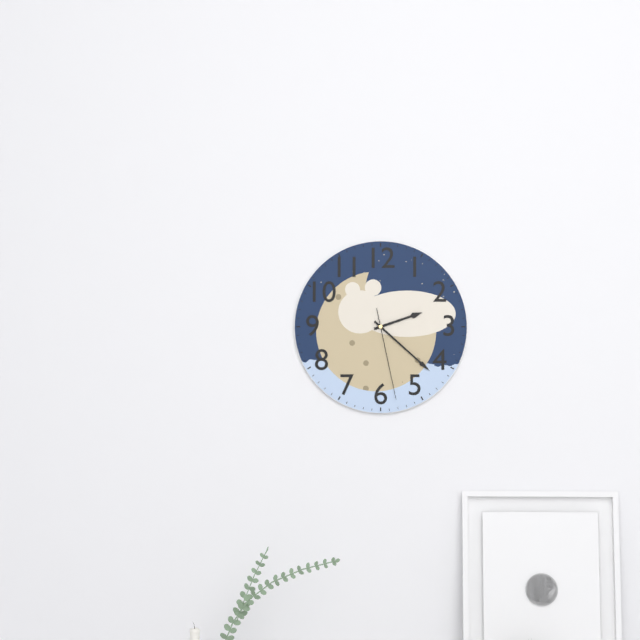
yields h=2 m=22 s=28
